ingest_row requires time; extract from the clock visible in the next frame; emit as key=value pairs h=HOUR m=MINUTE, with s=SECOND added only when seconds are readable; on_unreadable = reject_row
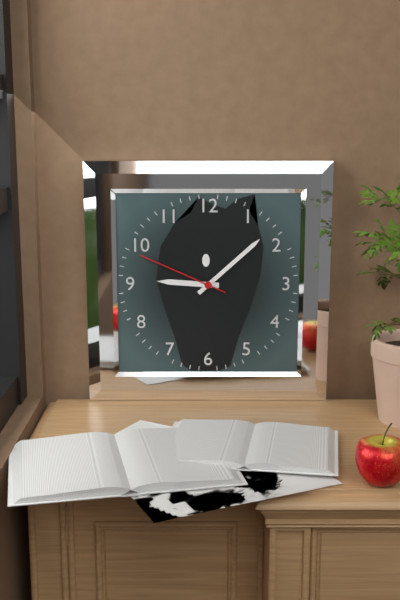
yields h=9 m=8 s=49
